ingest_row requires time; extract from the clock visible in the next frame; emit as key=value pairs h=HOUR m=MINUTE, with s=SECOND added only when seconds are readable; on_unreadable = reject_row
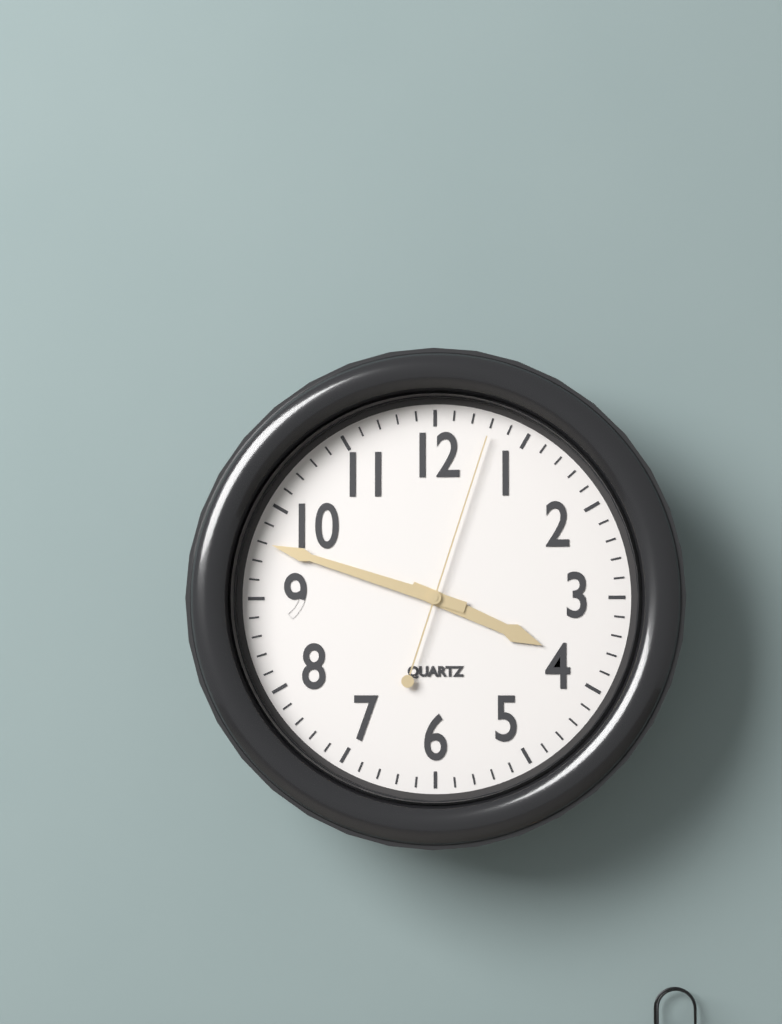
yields h=3 m=48 s=3
